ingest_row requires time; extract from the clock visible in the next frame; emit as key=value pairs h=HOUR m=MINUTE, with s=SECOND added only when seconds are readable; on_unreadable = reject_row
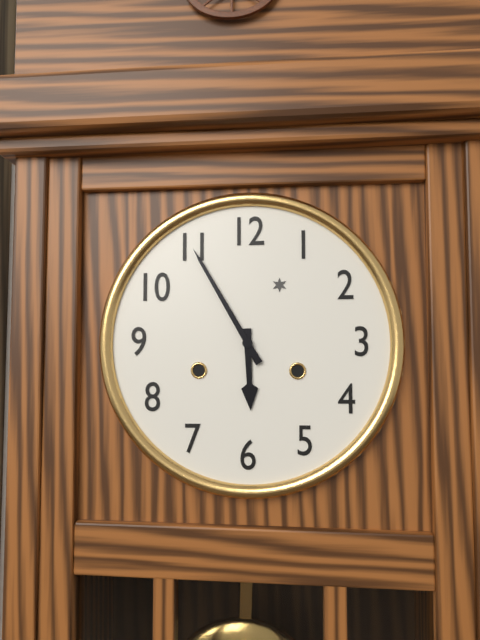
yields h=5 m=55
